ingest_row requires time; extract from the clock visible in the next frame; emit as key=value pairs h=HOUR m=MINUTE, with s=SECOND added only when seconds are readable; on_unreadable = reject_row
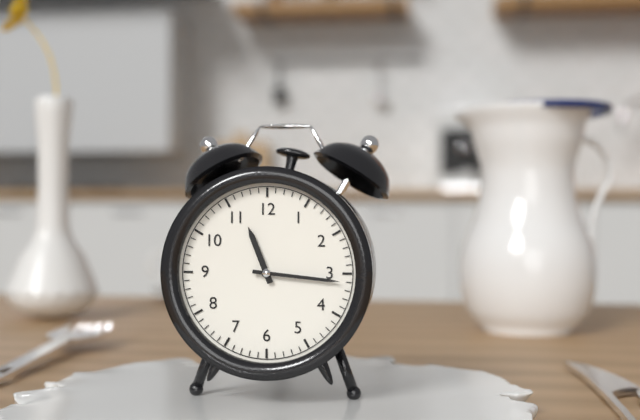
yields h=11 m=16
